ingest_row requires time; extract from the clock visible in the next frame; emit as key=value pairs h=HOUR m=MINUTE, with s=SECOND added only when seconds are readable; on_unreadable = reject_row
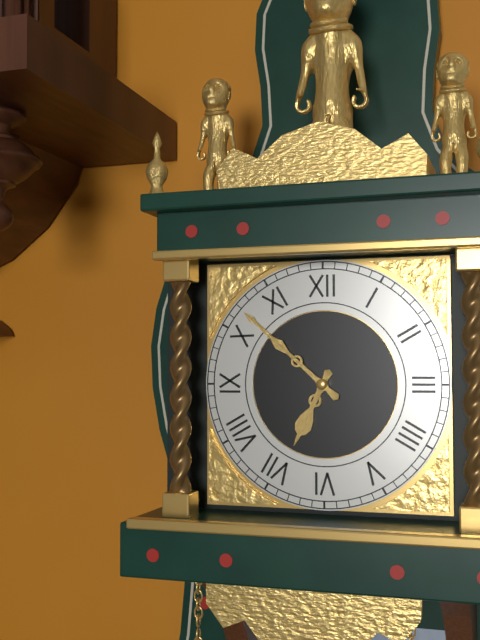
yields h=6 m=52
